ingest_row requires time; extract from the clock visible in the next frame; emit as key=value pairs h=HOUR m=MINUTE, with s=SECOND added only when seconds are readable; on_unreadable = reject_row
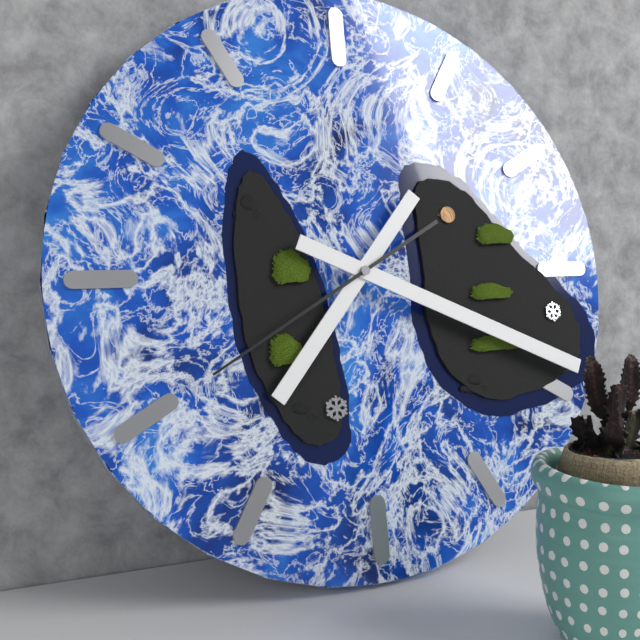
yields h=7 m=19 s=40
